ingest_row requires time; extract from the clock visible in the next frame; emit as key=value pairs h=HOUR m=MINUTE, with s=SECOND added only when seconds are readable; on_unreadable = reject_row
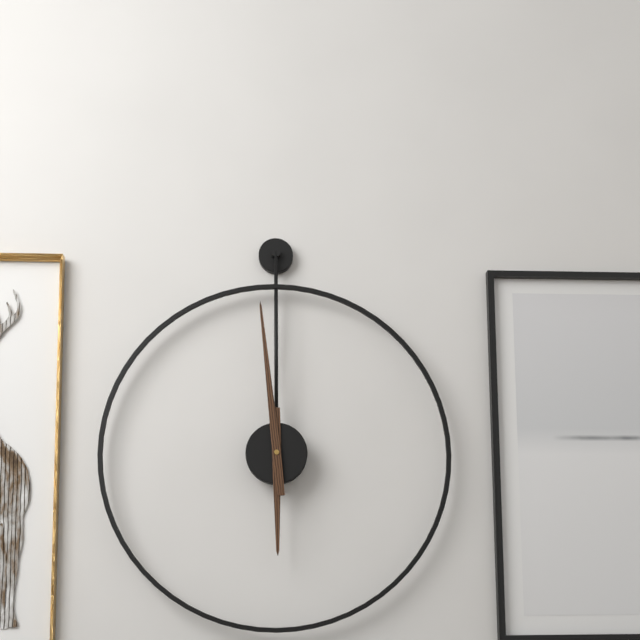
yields h=5 m=59
